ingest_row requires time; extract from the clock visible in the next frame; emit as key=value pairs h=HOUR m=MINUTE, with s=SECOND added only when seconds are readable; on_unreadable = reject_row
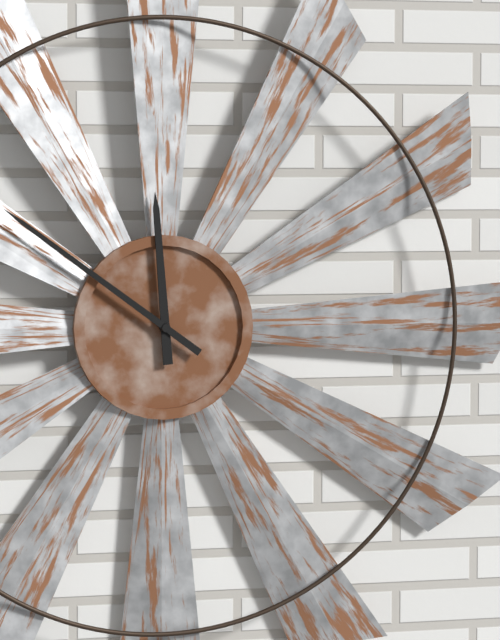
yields h=11 m=51
